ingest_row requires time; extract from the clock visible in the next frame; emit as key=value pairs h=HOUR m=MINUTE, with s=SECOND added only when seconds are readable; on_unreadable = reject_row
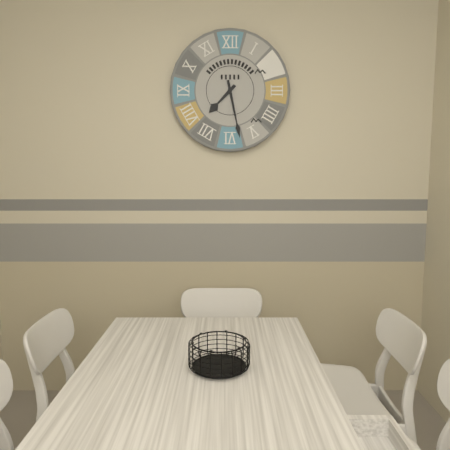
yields h=7 m=28
